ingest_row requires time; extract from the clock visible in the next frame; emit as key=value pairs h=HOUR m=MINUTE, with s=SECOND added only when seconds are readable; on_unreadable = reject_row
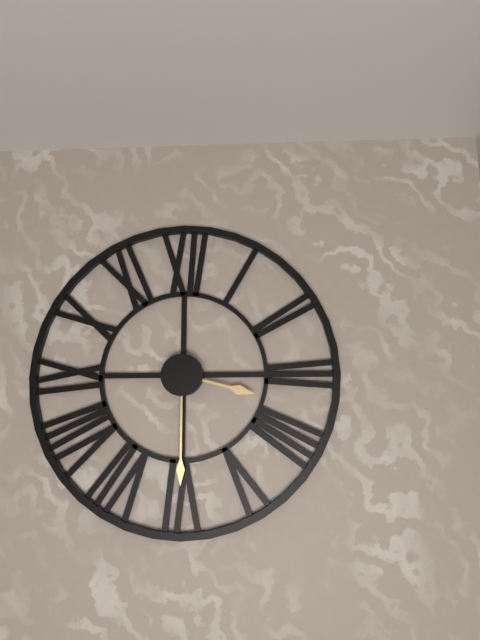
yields h=3 m=30
